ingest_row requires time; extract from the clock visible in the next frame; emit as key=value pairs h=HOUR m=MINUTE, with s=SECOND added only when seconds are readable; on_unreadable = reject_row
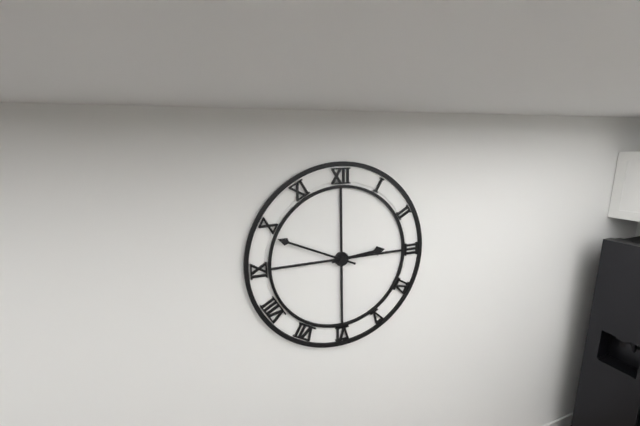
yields h=2 m=49
